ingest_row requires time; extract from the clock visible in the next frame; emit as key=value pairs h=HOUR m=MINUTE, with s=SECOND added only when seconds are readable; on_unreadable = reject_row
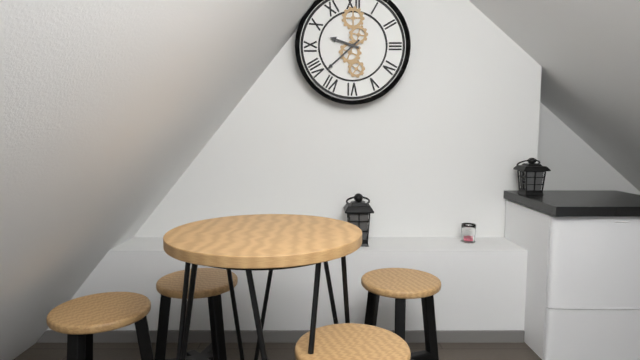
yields h=9 m=38
